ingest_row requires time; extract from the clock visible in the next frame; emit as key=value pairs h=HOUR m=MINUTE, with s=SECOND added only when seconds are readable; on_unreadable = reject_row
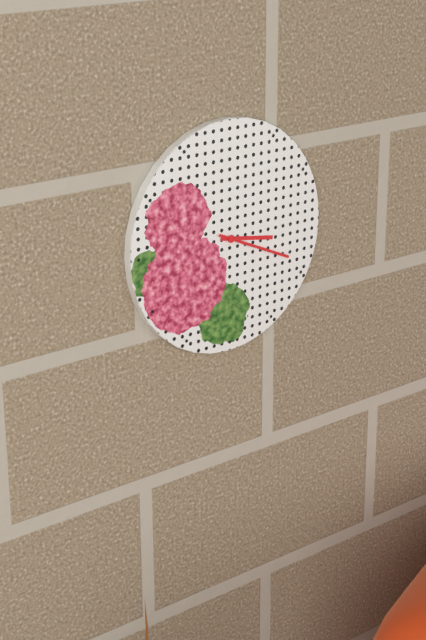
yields h=3 m=19
